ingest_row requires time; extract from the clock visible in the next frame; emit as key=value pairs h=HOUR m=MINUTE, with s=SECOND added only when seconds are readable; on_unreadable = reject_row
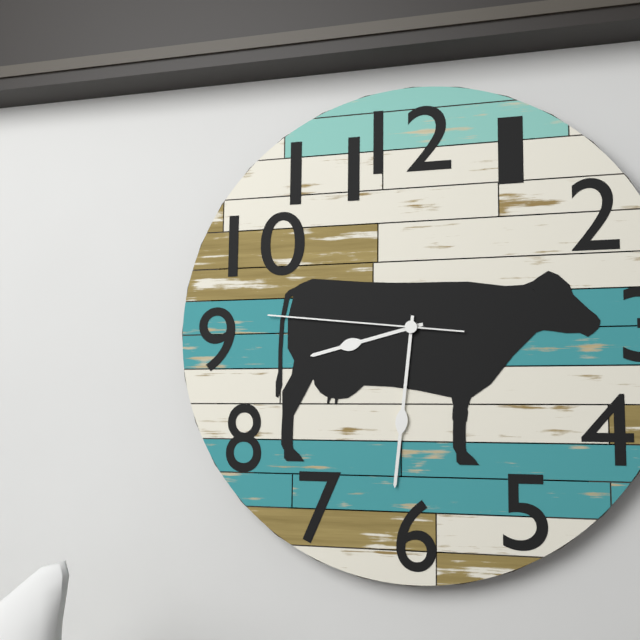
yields h=8 m=31 s=46
